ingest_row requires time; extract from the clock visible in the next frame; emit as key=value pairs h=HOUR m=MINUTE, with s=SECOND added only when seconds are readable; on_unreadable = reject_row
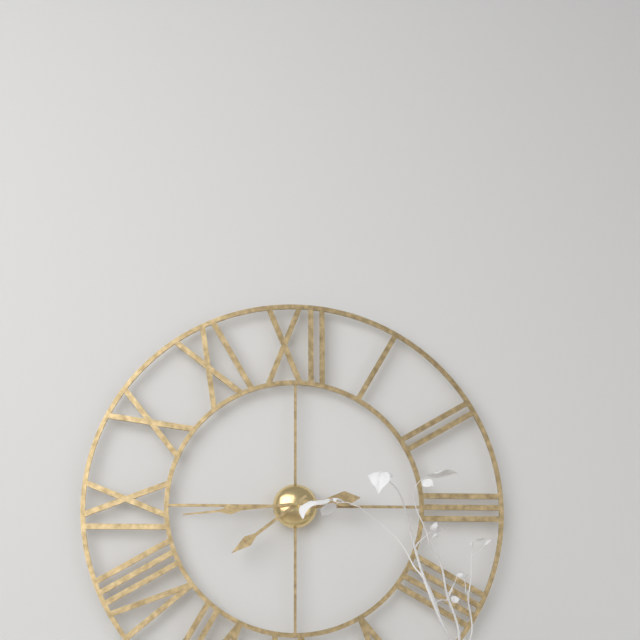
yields h=7 m=44
